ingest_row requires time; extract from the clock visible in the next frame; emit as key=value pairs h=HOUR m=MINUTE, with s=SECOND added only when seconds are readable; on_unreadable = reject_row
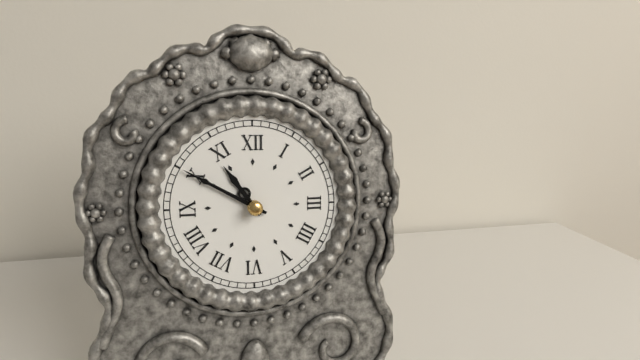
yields h=10 m=50
